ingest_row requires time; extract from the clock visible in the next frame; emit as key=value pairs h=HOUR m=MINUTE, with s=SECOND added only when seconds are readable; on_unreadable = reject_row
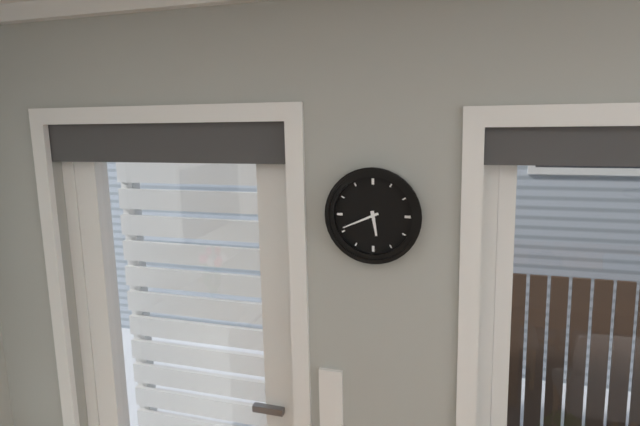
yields h=5 m=41
